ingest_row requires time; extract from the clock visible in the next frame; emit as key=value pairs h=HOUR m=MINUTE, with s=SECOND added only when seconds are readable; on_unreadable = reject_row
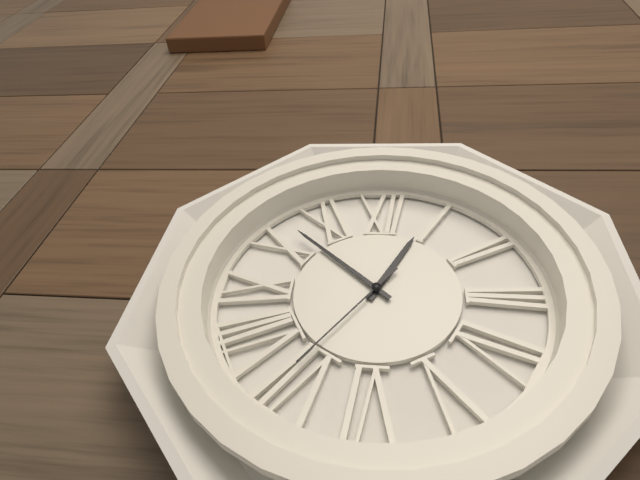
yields h=12 m=52 s=36
